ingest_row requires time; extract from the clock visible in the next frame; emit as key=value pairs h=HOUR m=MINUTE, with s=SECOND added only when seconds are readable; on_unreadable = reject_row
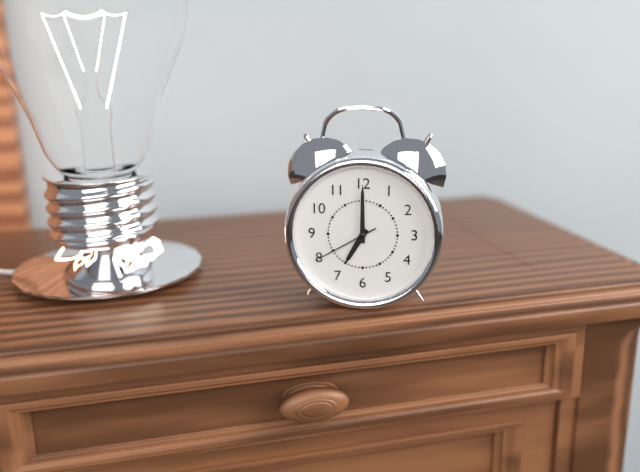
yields h=7 m=0 s=40
